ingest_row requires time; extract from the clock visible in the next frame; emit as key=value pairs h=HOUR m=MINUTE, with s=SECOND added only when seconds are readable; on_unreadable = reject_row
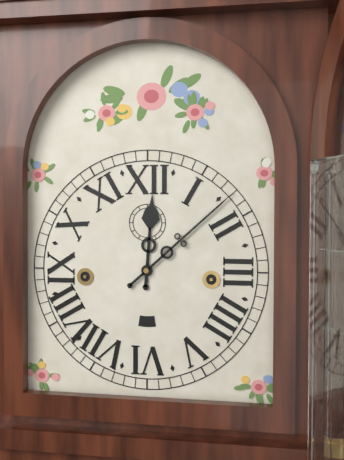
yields h=12 m=8
